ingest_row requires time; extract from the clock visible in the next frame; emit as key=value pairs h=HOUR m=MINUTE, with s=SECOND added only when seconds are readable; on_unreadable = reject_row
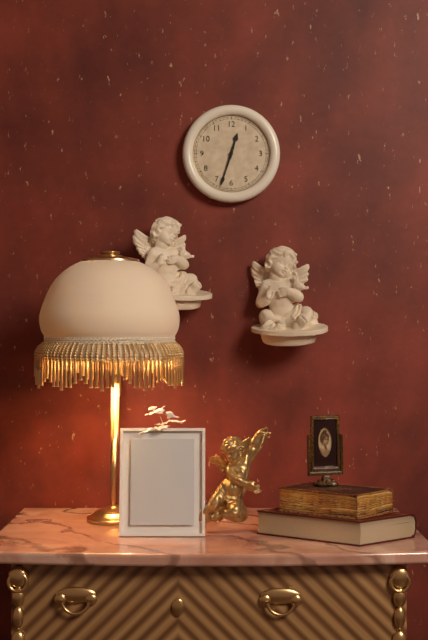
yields h=12 m=33
